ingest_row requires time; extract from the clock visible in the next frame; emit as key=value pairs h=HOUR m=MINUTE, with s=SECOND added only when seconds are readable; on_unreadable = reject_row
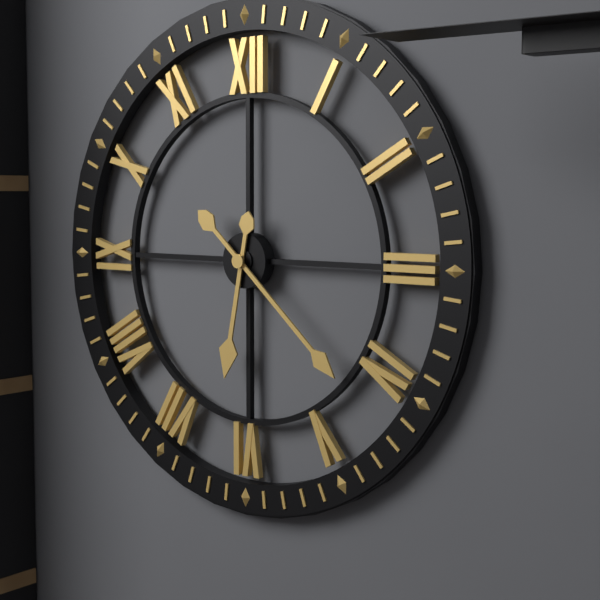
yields h=6 m=22
